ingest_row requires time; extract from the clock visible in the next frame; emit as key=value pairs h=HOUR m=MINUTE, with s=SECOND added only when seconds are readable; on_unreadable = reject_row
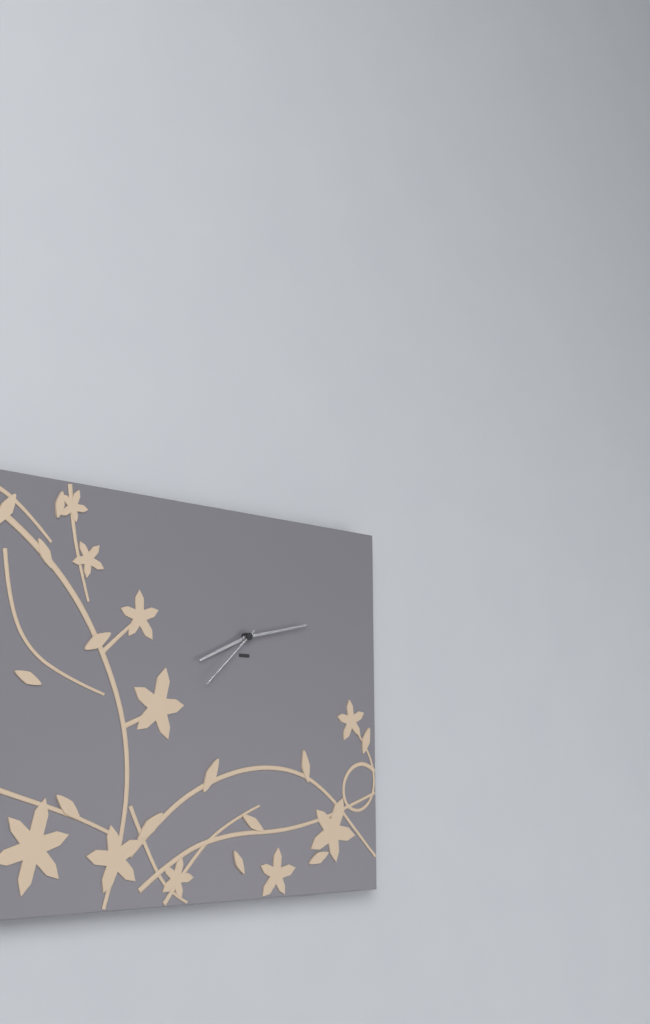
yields h=8 m=13 s=38
